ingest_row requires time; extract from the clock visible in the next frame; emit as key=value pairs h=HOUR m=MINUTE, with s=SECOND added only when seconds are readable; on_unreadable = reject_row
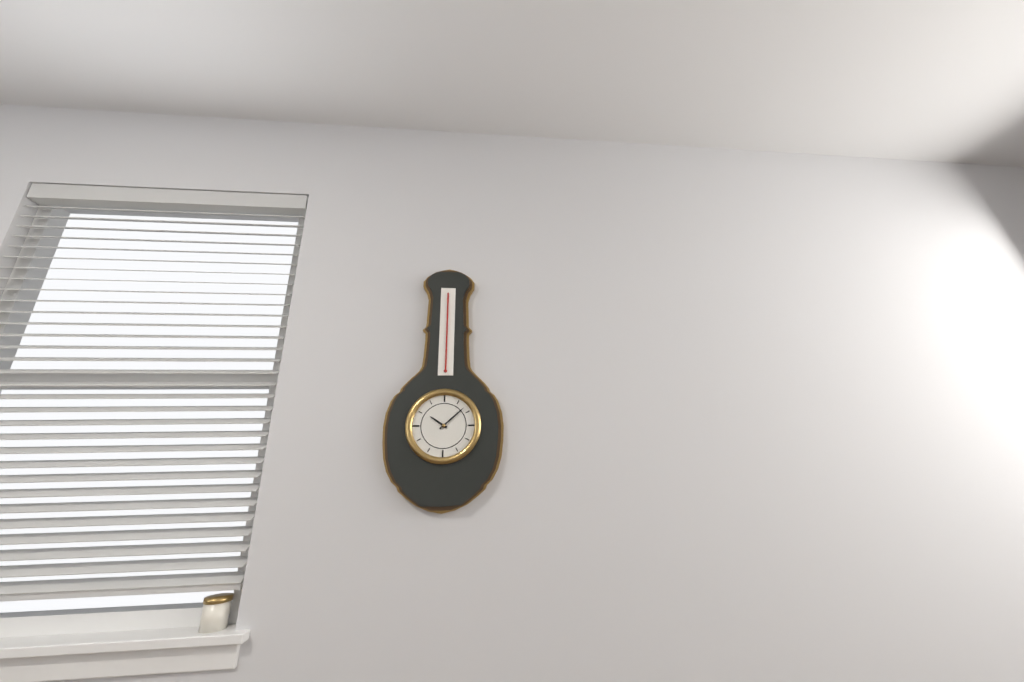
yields h=10 m=8
